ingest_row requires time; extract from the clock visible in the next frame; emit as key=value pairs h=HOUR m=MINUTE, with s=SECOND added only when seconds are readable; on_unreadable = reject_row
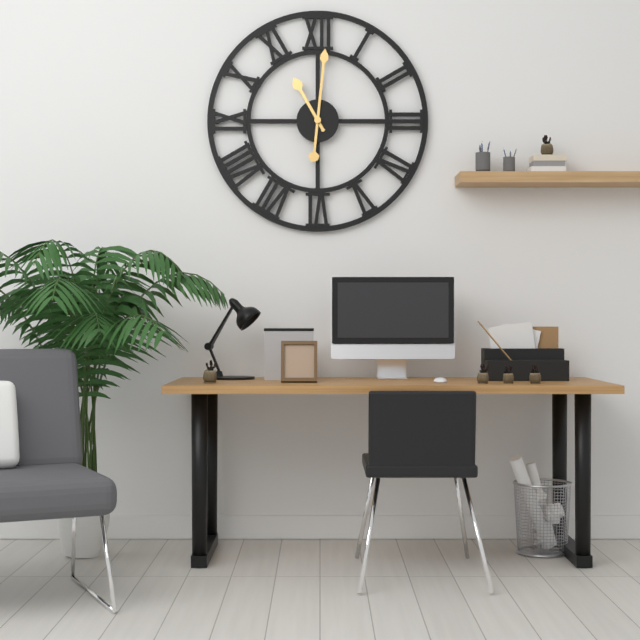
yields h=11 m=1
